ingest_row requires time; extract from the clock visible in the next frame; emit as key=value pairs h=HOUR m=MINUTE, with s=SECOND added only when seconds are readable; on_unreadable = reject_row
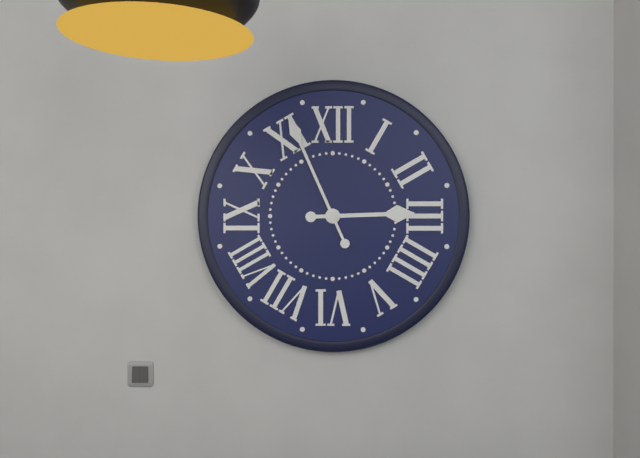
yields h=2 m=56
